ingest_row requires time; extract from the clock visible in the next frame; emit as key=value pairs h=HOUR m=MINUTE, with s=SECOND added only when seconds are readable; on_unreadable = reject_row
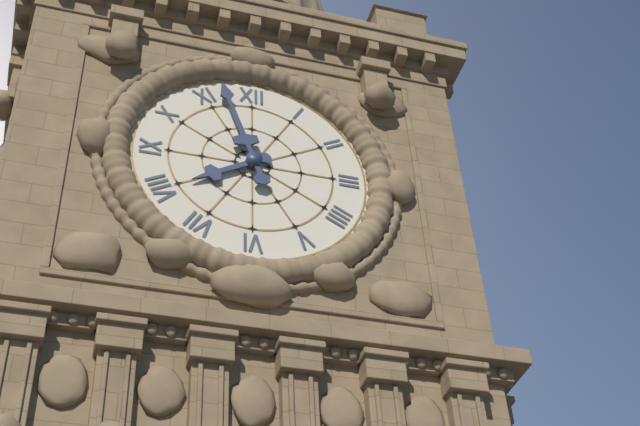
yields h=7 m=57
